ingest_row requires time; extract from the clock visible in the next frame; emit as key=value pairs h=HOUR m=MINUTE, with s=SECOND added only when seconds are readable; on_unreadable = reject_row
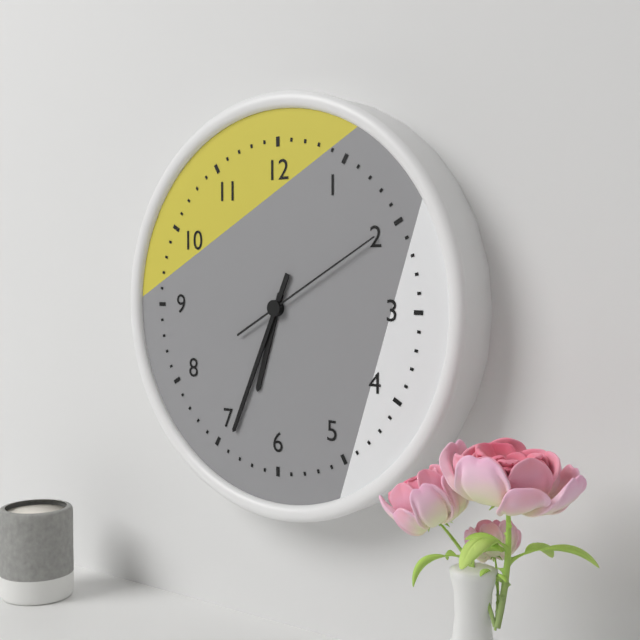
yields h=6 m=34 s=10
